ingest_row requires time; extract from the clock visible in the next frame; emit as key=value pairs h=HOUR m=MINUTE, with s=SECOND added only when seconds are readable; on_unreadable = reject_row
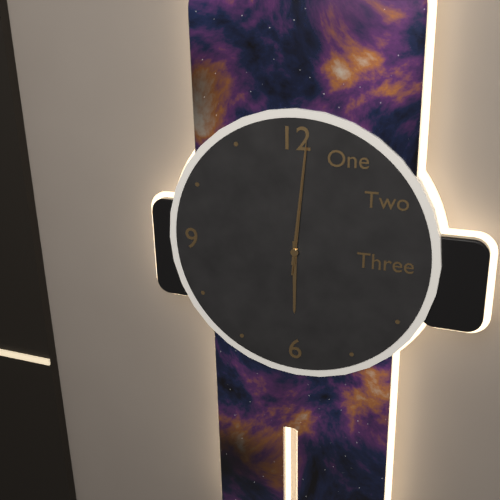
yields h=6 m=1 s=1
